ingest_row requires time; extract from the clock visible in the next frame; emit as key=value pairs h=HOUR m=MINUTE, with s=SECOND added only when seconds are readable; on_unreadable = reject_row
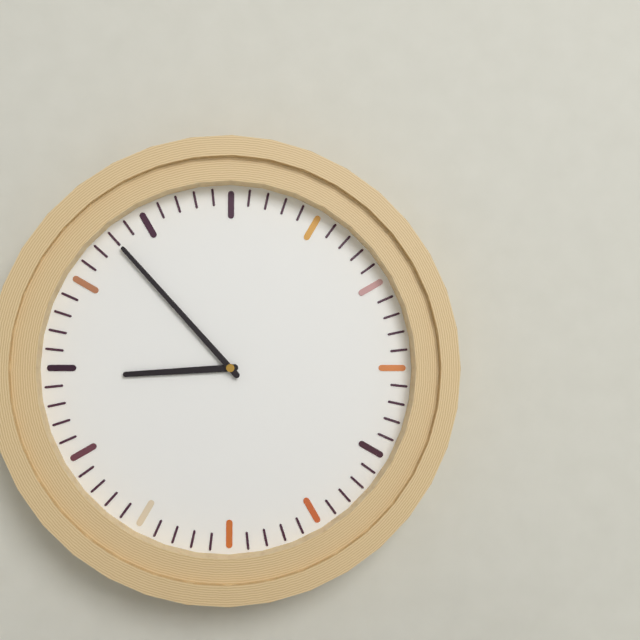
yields h=8 m=53
